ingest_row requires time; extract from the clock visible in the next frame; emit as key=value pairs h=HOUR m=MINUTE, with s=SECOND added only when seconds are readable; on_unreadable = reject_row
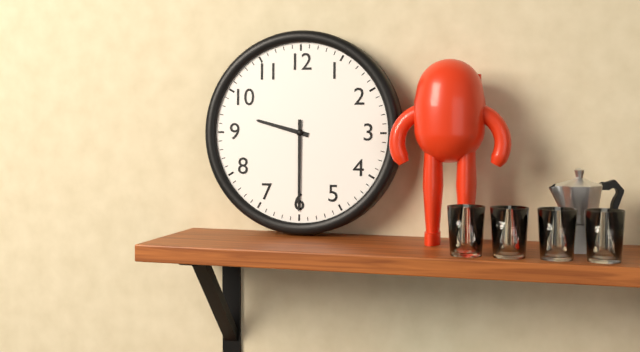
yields h=9 m=30
